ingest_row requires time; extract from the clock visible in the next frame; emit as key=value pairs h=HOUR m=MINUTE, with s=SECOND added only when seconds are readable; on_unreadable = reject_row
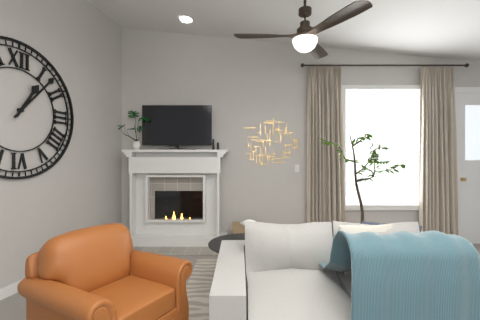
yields h=1 m=7
